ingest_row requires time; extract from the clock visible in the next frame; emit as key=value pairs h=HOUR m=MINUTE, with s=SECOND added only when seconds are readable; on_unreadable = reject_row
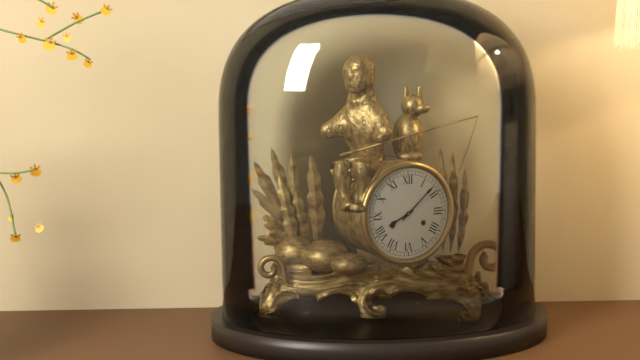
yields h=8 m=8
